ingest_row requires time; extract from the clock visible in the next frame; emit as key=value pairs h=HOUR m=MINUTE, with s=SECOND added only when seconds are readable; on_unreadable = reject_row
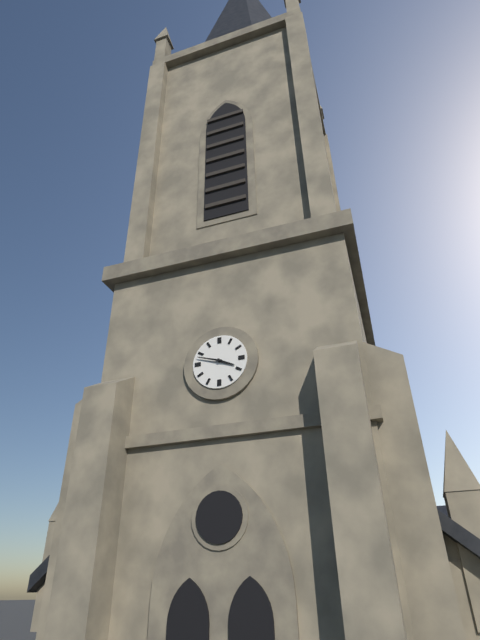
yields h=3 m=48
